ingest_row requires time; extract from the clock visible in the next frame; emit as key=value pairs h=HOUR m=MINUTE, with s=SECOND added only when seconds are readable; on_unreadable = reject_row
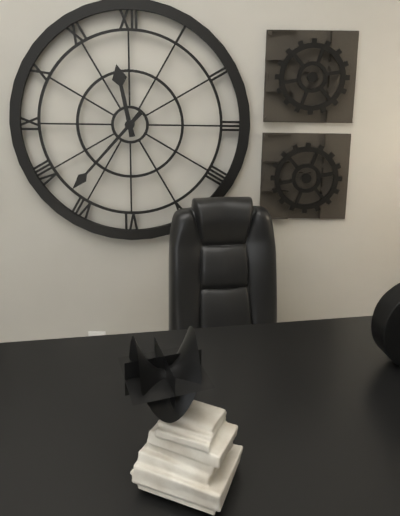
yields h=11 m=37
